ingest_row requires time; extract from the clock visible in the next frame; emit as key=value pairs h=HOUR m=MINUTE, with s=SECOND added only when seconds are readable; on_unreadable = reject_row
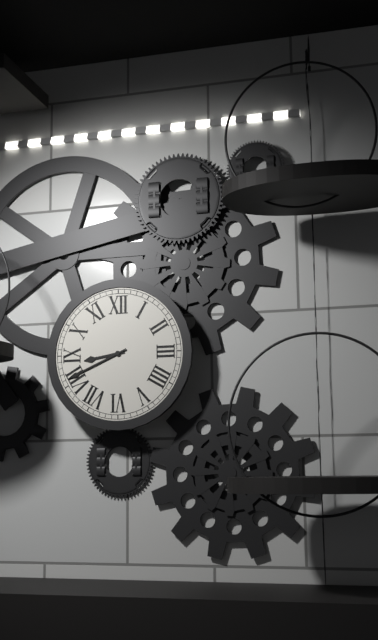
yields h=8 m=41
